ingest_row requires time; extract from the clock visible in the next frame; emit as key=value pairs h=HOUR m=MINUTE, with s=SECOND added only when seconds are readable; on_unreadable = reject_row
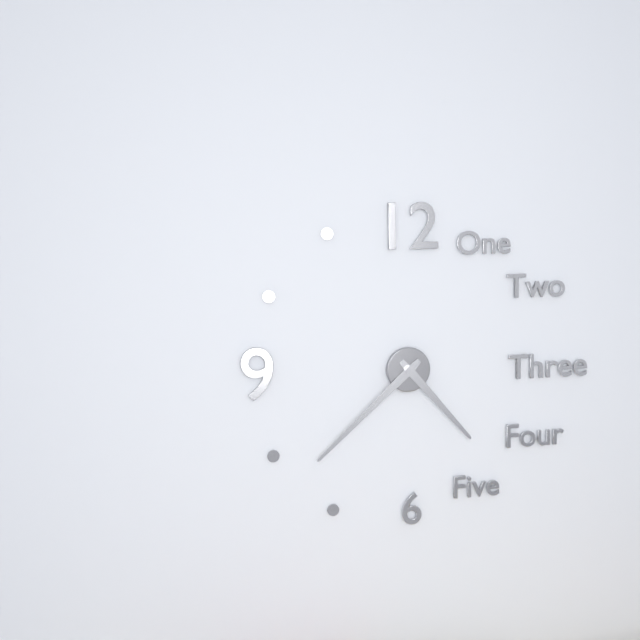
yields h=4 m=38
